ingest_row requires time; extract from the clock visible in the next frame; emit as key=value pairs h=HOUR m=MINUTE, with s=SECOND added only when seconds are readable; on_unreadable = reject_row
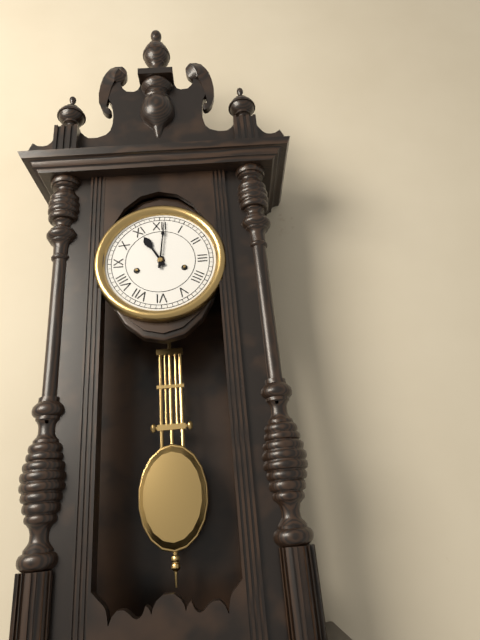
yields h=11 m=1
